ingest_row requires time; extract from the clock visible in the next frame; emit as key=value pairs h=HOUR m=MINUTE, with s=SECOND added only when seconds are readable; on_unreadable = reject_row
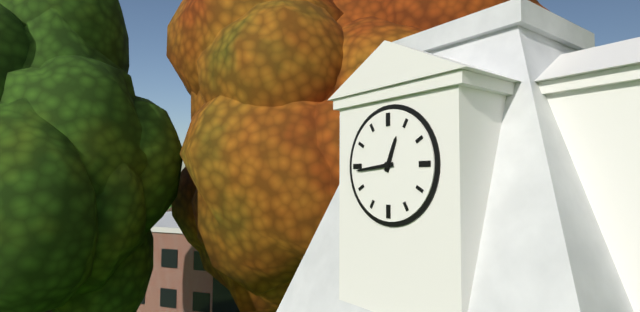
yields h=12 m=44
